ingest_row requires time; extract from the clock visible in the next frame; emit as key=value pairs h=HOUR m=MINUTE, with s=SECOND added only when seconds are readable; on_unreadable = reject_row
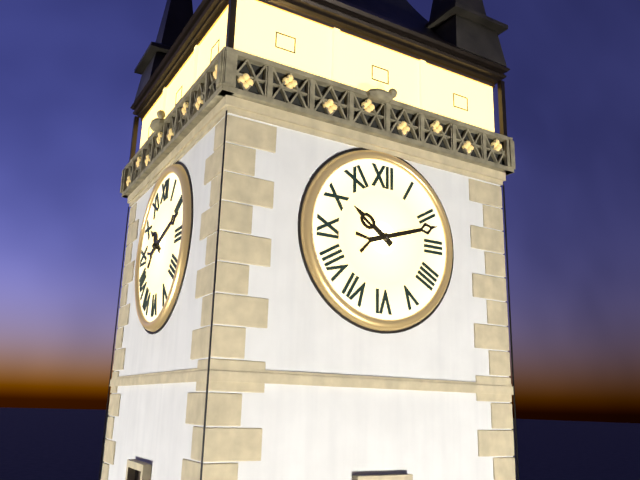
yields h=10 m=12
